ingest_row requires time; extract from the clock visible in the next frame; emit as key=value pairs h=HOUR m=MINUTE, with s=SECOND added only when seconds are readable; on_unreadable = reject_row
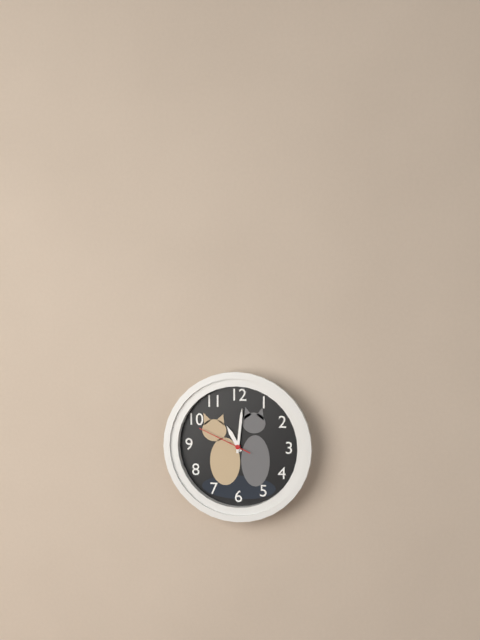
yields h=11 m=1 s=49
